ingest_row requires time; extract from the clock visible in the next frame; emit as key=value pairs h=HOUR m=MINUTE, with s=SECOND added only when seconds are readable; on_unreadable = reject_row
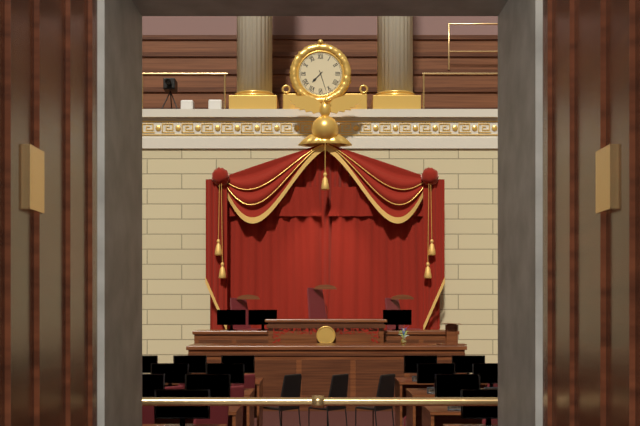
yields h=7 m=27
